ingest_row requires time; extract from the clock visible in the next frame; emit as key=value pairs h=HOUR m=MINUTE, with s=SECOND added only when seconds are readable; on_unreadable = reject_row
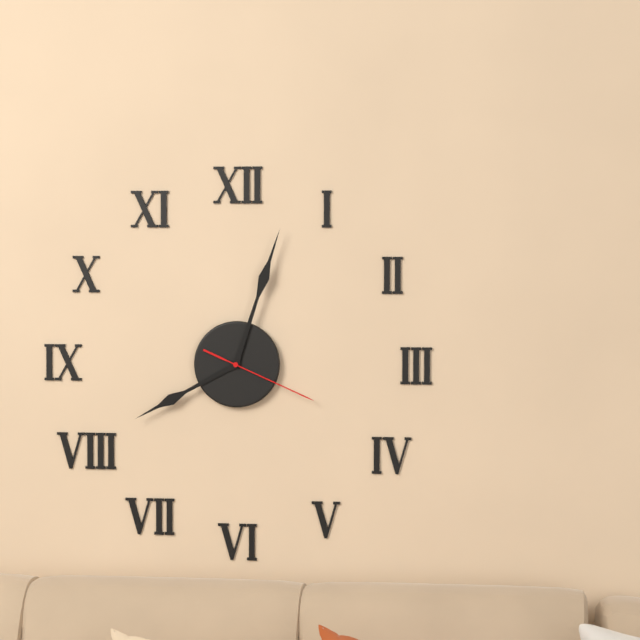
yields h=8 m=3 s=19
